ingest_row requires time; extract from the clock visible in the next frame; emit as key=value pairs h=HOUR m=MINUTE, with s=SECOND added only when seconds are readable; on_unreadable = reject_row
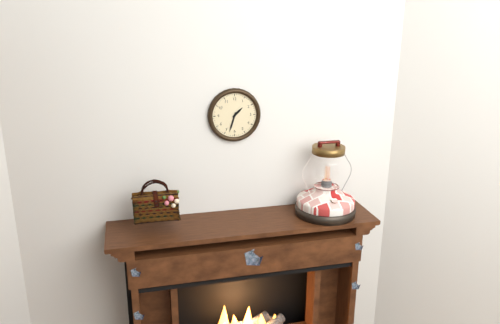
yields h=1 m=33
